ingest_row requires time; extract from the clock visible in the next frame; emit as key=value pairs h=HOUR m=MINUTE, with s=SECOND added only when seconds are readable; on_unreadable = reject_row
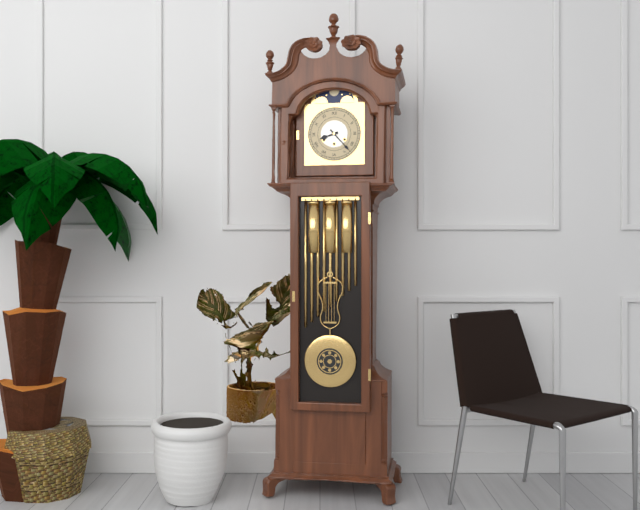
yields h=8 m=23
